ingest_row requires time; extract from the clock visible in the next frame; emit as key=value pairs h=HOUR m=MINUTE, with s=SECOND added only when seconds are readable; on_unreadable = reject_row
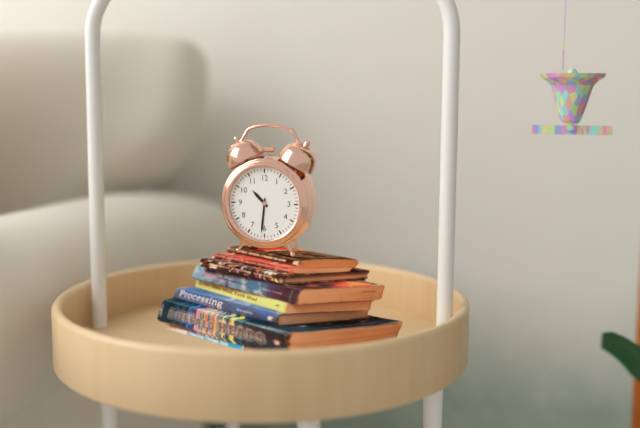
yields h=10 m=31
